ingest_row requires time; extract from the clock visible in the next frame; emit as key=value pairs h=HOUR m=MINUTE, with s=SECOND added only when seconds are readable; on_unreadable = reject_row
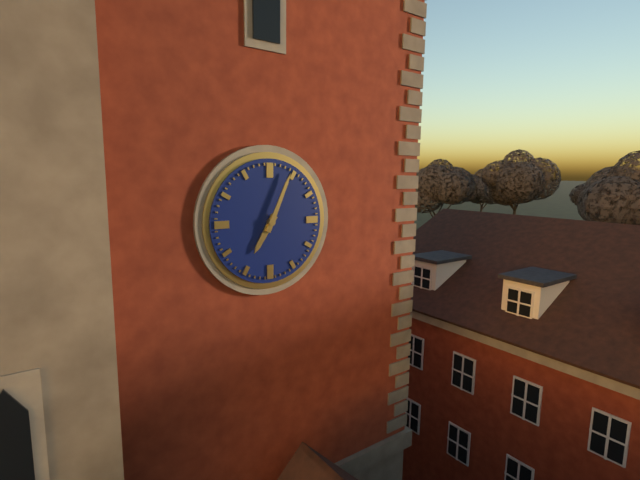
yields h=7 m=4
